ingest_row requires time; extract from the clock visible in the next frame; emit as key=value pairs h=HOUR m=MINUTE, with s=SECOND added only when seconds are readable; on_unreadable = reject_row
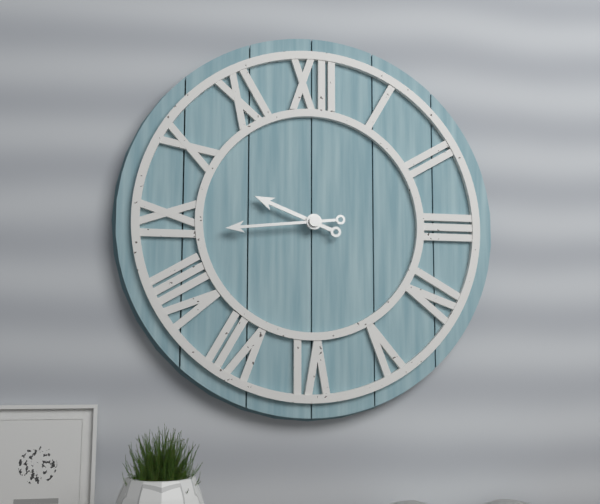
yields h=9 m=44
